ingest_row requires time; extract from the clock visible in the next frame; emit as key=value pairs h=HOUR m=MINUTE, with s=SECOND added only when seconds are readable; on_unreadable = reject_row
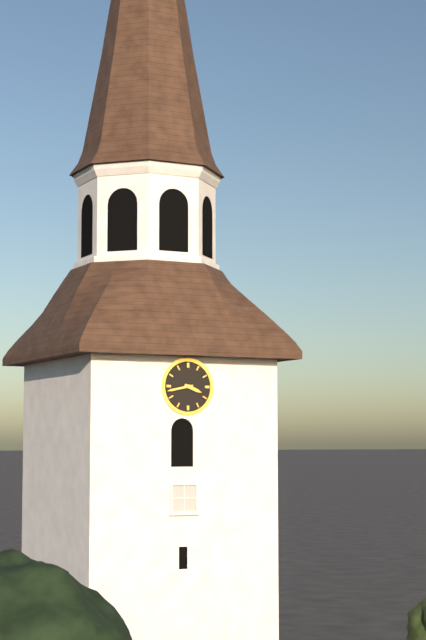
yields h=3 m=43
